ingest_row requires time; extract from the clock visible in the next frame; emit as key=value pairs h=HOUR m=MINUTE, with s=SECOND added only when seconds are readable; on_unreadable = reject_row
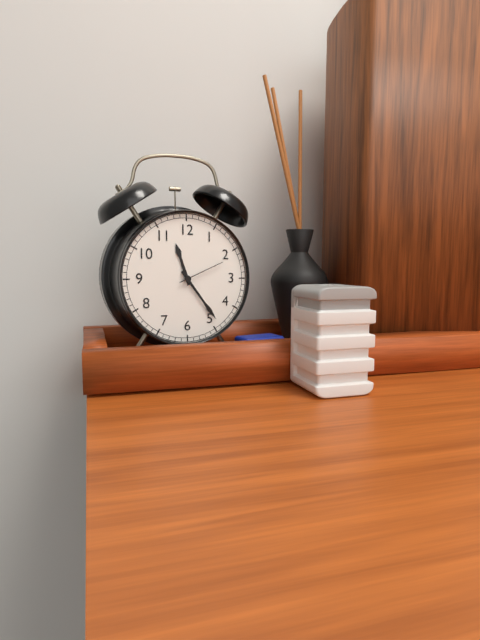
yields h=11 m=24
